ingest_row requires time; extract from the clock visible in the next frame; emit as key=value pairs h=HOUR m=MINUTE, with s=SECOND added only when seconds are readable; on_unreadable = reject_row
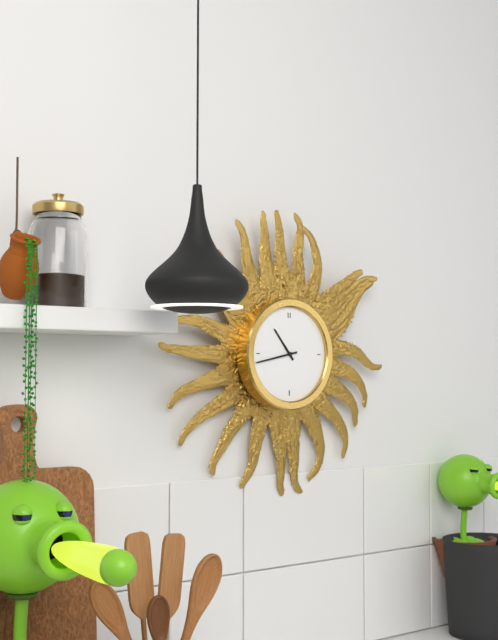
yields h=10 m=43
